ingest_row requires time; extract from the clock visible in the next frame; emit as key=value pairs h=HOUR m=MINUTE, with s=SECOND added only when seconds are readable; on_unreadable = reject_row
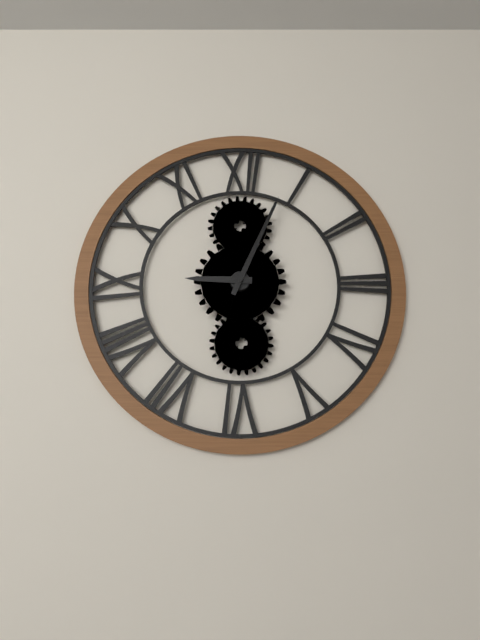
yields h=9 m=4
